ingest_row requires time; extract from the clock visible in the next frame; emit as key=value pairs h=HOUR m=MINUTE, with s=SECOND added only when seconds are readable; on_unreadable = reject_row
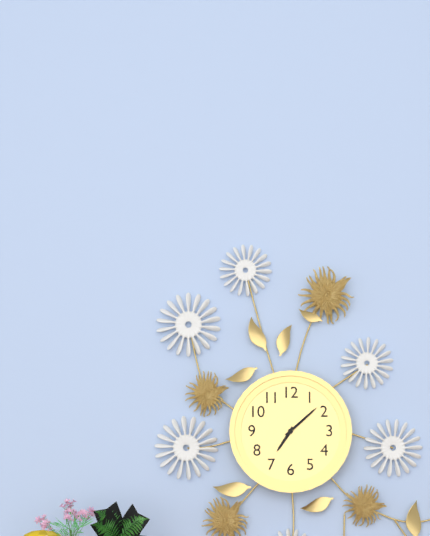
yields h=7 m=8
